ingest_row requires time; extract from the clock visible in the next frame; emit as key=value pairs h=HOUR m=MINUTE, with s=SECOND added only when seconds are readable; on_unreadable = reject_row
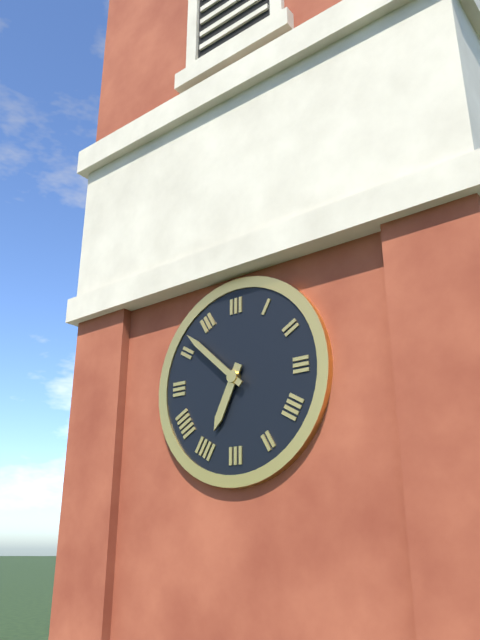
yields h=6 m=52
